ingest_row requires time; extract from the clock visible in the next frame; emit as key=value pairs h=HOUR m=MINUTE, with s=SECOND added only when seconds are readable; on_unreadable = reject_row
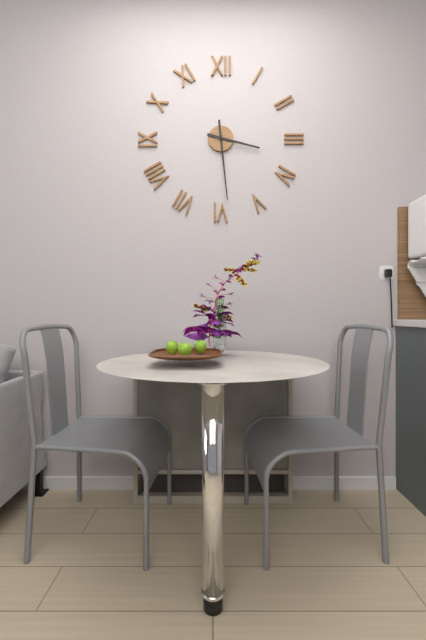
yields h=3 m=29
